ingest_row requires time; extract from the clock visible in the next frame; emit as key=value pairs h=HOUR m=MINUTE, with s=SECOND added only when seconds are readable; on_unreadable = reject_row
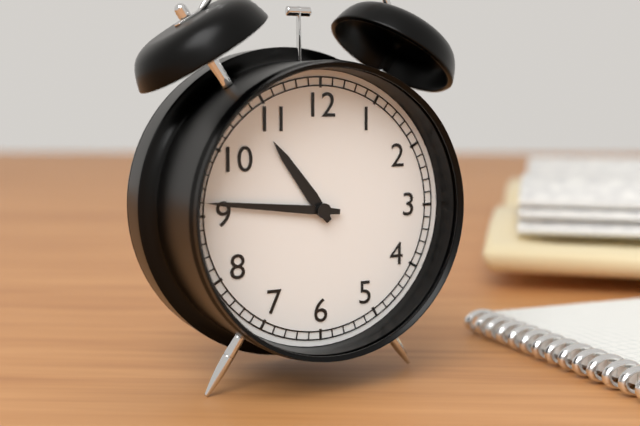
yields h=10 m=46
